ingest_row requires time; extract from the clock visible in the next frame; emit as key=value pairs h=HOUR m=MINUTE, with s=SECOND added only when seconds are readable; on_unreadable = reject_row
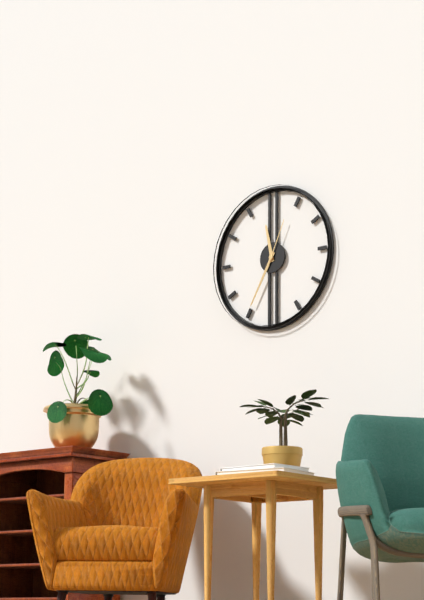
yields h=11 m=35 s=4
